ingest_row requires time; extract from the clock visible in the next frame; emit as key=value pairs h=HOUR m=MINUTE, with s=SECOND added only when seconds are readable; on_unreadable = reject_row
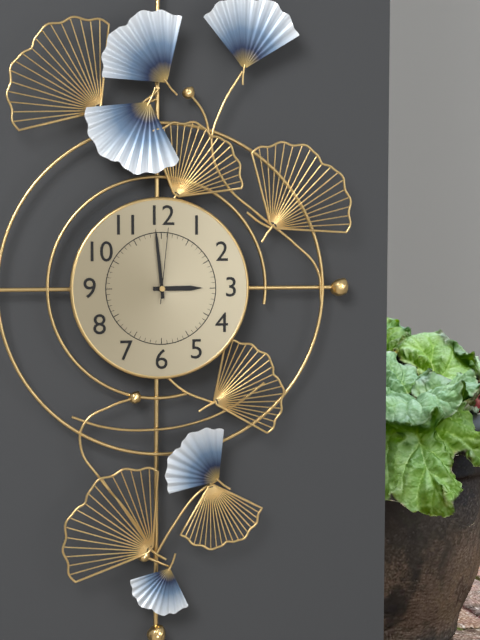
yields h=2 m=59 s=1
